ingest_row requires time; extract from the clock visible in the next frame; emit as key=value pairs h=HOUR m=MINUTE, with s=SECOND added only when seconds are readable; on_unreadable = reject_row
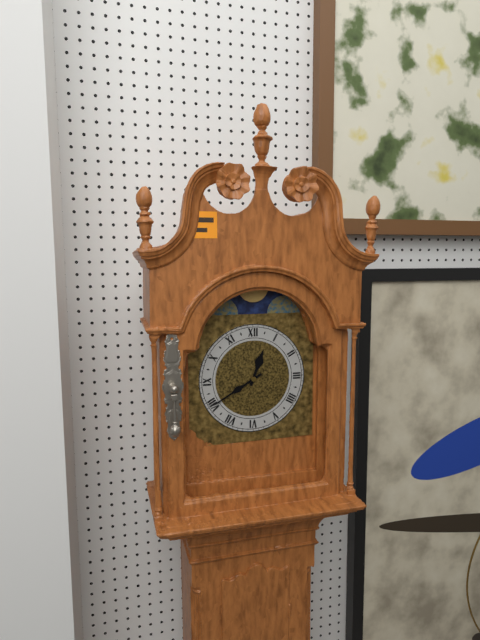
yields h=12 m=40
